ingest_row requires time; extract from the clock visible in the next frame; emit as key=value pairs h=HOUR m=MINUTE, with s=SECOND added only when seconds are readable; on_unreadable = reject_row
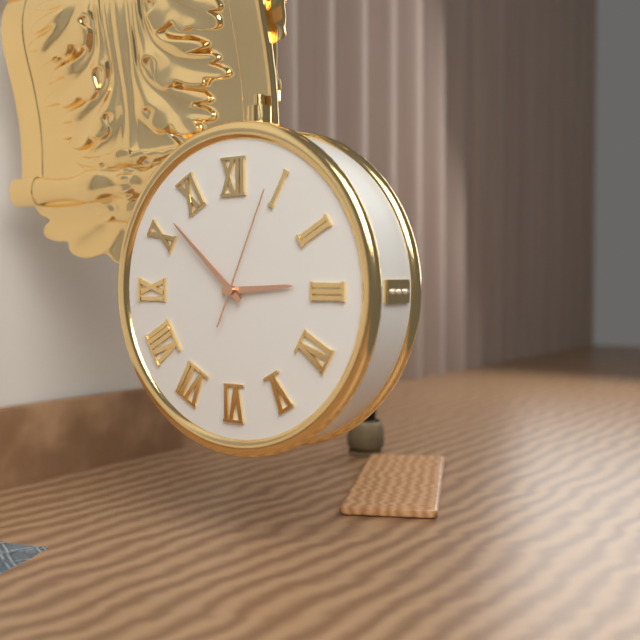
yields h=2 m=52 s=4
